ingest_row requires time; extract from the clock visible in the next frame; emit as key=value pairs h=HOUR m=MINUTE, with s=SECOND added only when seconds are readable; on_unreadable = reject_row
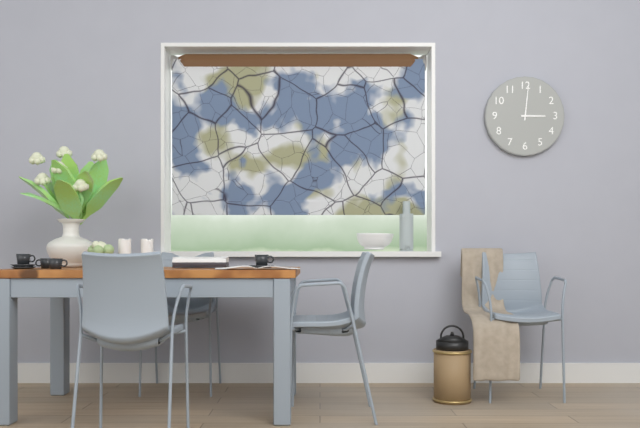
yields h=3 m=1
